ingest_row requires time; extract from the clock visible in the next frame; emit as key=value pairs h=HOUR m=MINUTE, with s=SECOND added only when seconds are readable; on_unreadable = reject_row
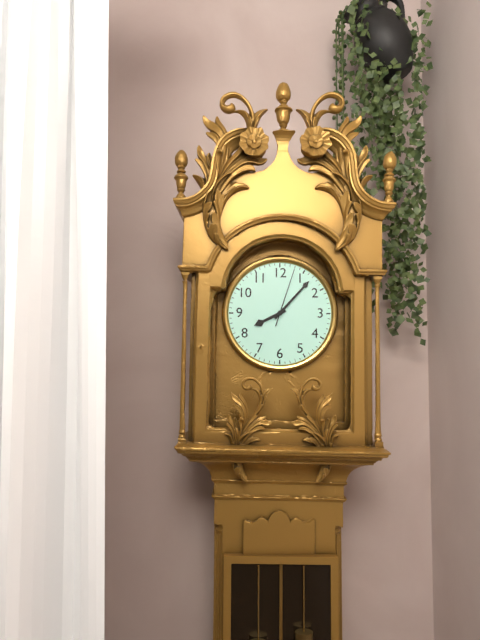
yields h=8 m=7 s=3
